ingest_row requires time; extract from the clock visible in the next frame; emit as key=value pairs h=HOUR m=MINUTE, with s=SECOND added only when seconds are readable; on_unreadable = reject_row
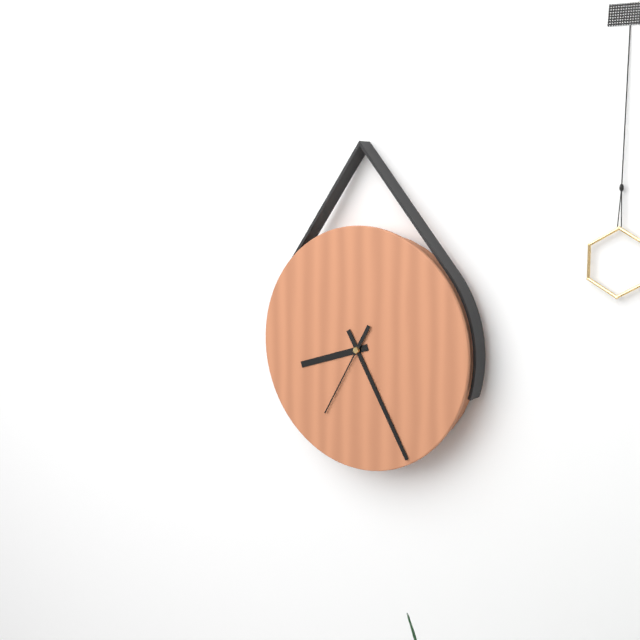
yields h=8 m=25 s=35
